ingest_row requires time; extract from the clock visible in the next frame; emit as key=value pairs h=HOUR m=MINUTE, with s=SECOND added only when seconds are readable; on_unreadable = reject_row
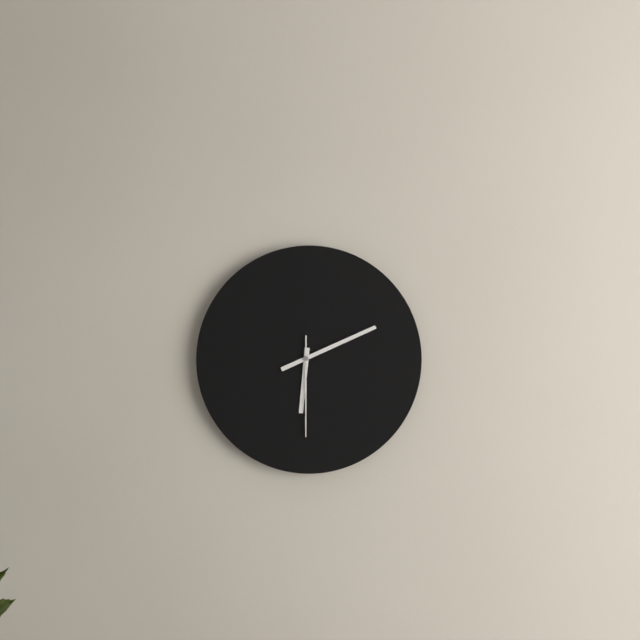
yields h=6 m=11 s=30
